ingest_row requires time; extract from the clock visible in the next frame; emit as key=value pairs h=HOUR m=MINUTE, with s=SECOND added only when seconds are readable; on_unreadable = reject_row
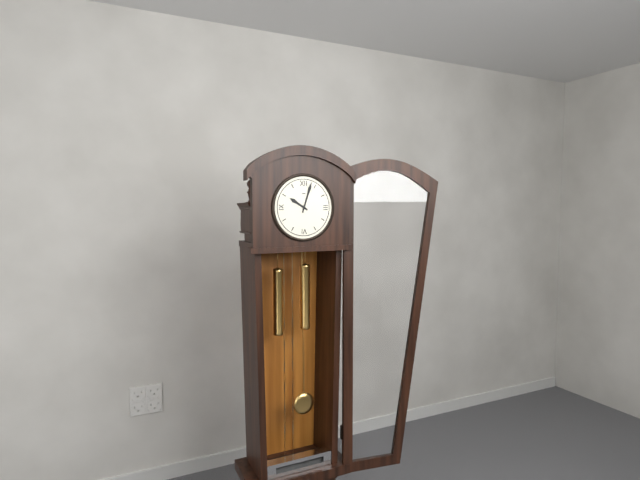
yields h=10 m=3
